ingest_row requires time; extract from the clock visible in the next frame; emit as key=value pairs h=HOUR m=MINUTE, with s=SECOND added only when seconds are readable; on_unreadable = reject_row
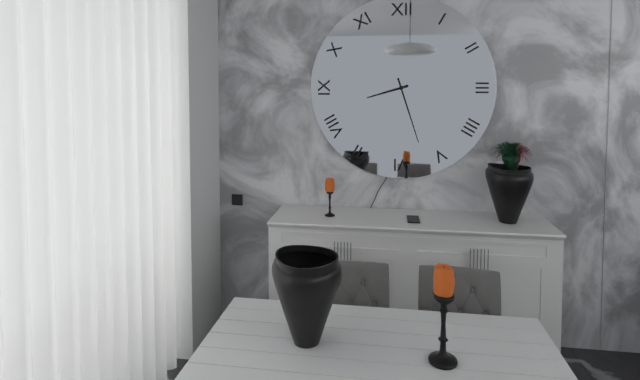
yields h=8 m=27
